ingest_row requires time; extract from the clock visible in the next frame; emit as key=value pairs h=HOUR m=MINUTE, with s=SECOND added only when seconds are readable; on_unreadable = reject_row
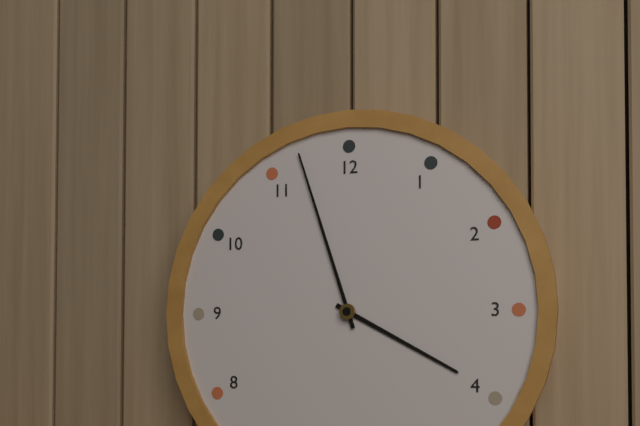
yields h=3 m=57
